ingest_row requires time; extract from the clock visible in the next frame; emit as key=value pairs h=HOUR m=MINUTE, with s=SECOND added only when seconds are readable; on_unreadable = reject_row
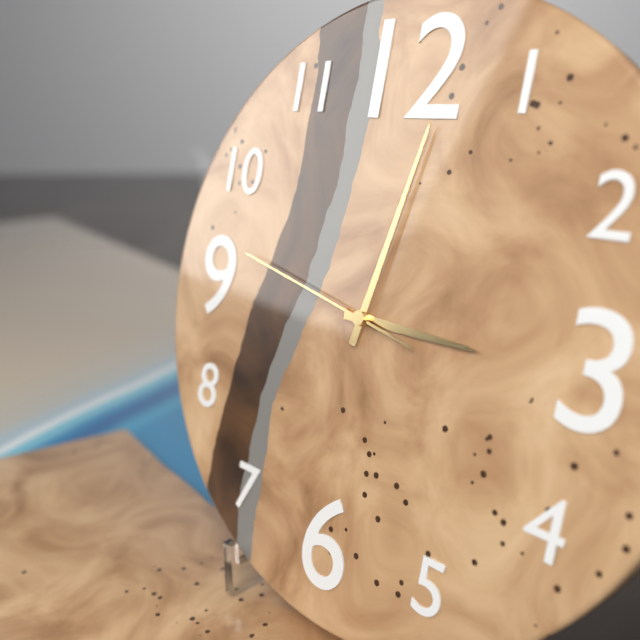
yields h=3 m=2 s=47
